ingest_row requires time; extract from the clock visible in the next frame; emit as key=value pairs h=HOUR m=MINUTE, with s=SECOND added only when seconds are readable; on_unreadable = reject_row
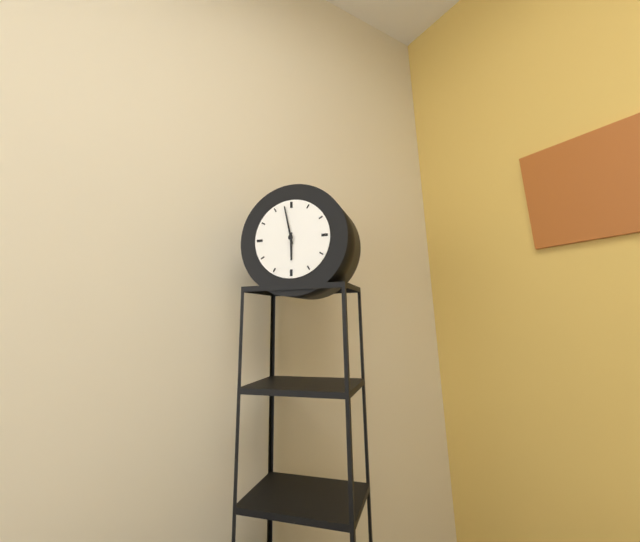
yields h=5 m=58
